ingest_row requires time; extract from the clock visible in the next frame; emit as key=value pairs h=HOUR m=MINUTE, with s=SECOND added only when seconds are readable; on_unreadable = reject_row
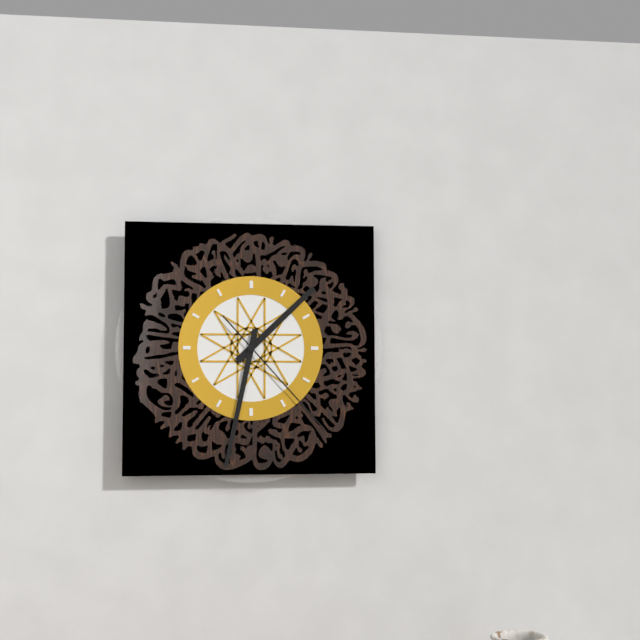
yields h=1 m=32 s=23
